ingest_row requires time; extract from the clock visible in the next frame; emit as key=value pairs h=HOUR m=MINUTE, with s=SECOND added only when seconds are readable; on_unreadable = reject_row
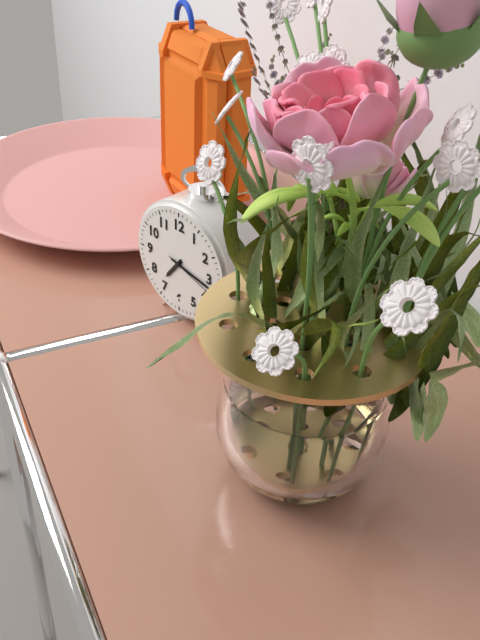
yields h=7 m=17 s=18
